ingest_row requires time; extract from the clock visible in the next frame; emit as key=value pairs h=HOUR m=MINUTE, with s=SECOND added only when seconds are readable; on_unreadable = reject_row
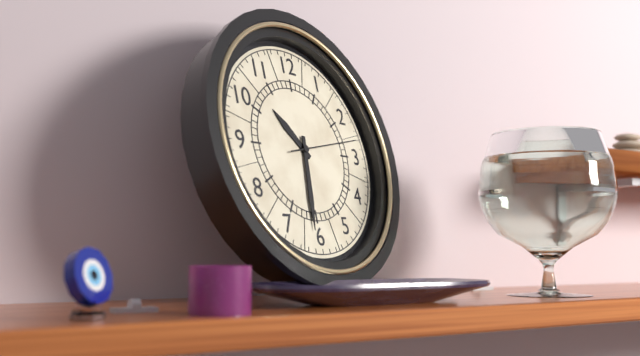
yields h=10 m=31 s=13
